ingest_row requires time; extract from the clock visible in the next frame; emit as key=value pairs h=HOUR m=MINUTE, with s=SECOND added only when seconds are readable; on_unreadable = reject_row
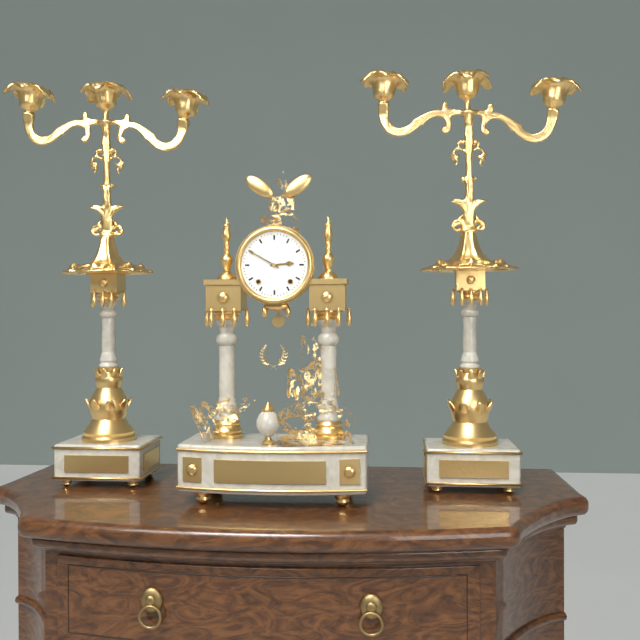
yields h=2 m=50
